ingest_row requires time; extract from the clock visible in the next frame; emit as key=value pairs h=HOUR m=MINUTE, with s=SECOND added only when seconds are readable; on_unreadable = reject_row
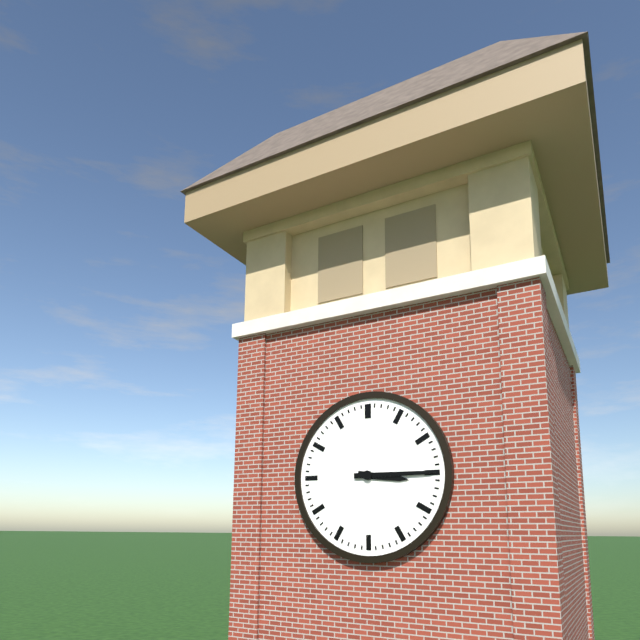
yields h=3 m=15
